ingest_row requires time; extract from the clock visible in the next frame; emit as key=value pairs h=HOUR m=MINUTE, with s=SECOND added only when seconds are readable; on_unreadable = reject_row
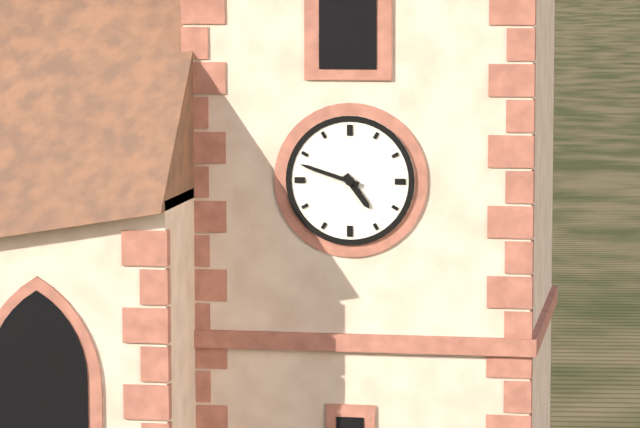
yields h=4 m=48
